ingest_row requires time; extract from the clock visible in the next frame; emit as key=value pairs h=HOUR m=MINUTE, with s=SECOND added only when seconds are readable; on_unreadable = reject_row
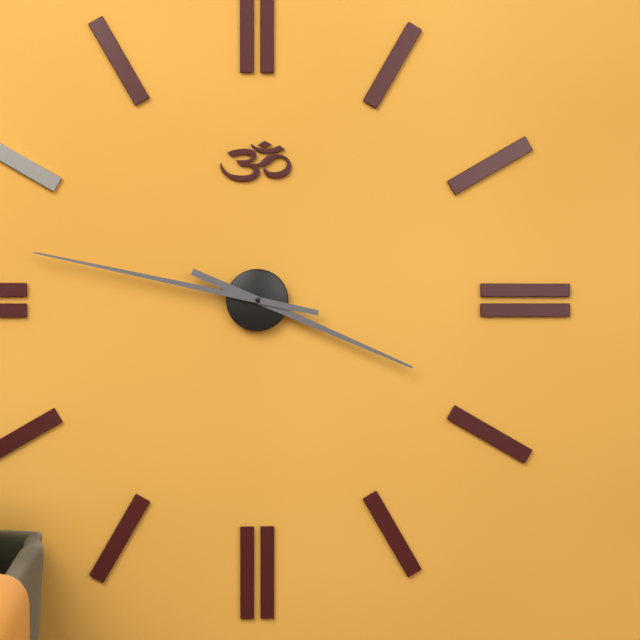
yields h=3 m=47
